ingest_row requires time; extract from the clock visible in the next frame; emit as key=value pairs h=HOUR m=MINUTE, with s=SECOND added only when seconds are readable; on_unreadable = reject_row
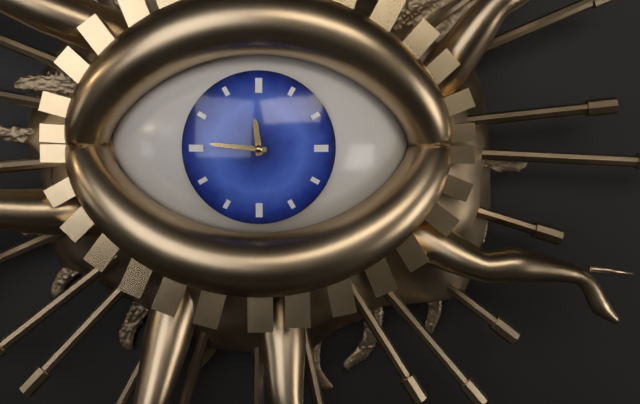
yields h=11 m=46
